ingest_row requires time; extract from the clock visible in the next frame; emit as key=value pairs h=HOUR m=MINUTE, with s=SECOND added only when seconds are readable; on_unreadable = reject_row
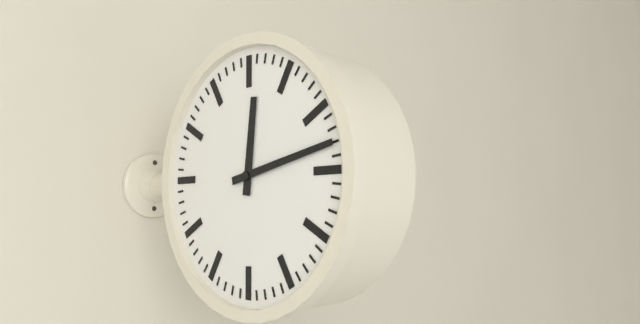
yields h=12 m=13
